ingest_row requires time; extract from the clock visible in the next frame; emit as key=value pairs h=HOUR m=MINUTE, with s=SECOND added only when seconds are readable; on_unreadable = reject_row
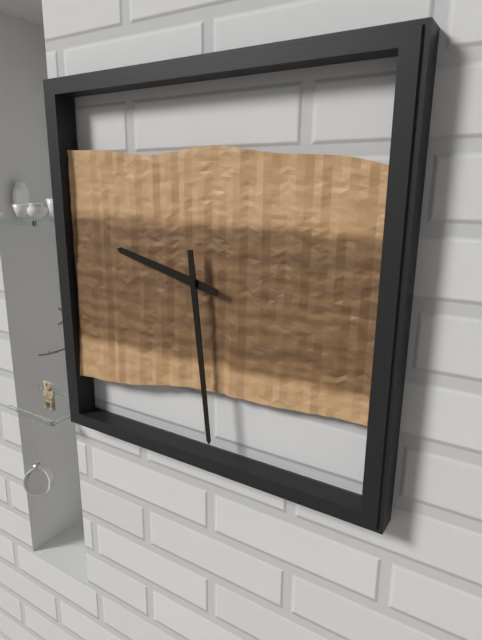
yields h=9 m=29
